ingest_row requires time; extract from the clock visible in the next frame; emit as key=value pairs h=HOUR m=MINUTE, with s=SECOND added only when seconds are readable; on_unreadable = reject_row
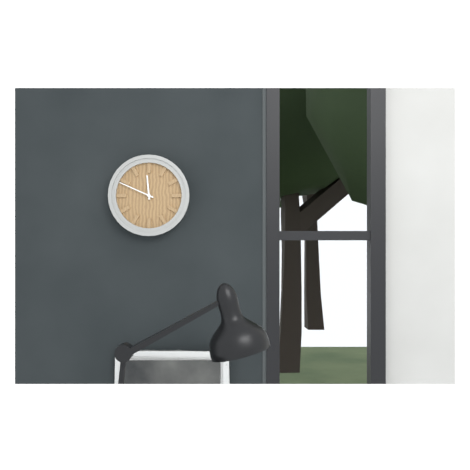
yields h=11 m=49
